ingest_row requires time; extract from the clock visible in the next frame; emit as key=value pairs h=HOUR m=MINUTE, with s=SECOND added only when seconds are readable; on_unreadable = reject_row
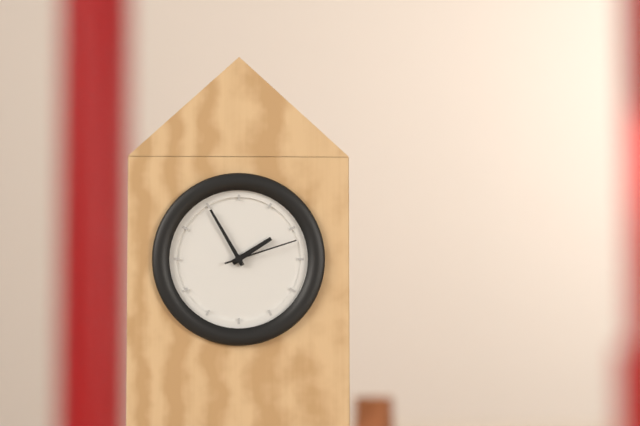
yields h=1 m=55 s=12
